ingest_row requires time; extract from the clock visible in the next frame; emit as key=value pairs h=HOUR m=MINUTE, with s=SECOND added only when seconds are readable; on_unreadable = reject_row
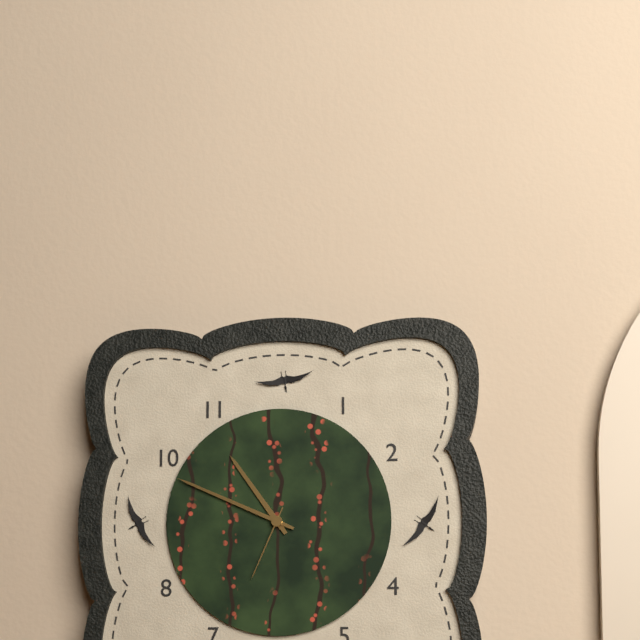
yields h=10 m=49 s=34
